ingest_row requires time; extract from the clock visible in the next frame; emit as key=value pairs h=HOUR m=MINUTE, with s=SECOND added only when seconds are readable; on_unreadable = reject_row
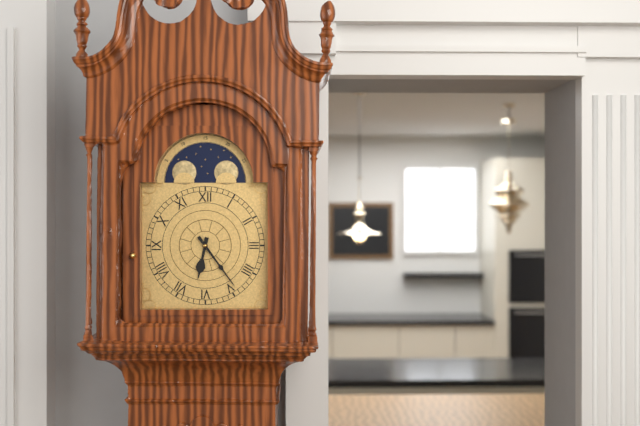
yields h=6 m=24
